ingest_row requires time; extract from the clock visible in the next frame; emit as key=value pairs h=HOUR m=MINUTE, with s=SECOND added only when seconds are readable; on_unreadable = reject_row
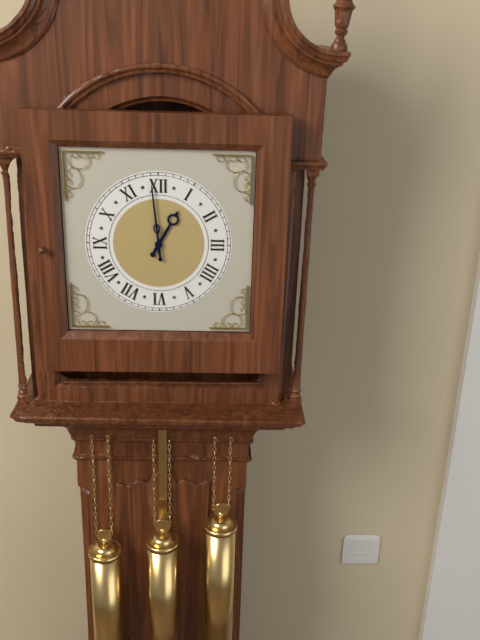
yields h=12 m=59
